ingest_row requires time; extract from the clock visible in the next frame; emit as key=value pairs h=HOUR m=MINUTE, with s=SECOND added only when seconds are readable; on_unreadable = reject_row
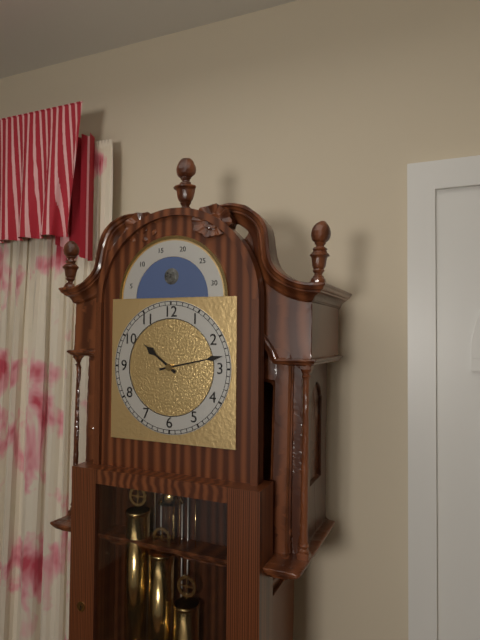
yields h=10 m=13
